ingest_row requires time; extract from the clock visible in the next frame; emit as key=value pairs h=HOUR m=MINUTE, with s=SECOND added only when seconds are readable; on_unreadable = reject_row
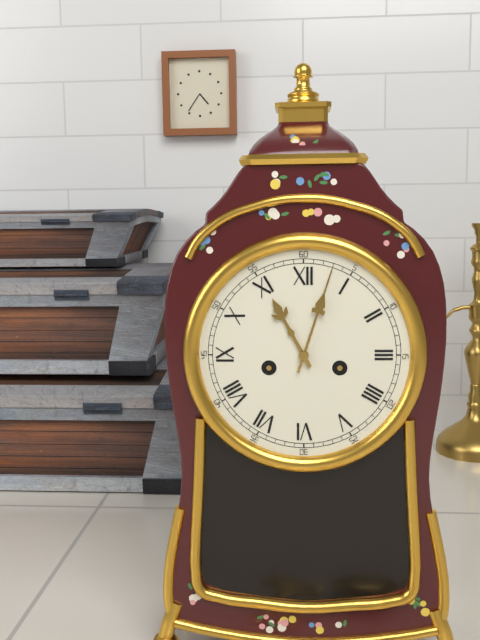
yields h=11 m=3
